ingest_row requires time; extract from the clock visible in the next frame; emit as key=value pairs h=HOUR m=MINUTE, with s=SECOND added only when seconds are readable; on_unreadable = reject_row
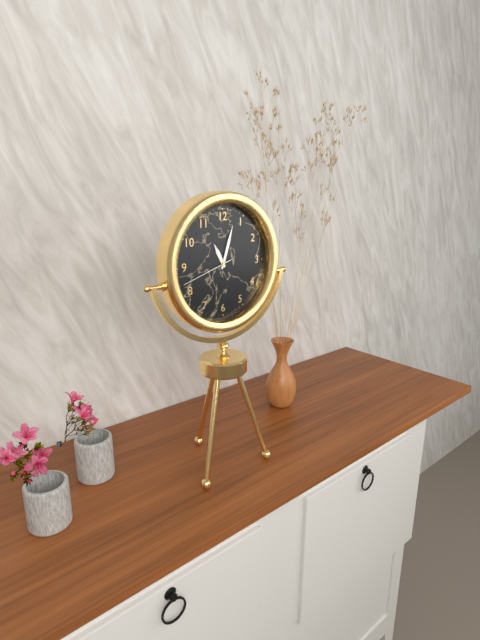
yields h=11 m=3 s=42
